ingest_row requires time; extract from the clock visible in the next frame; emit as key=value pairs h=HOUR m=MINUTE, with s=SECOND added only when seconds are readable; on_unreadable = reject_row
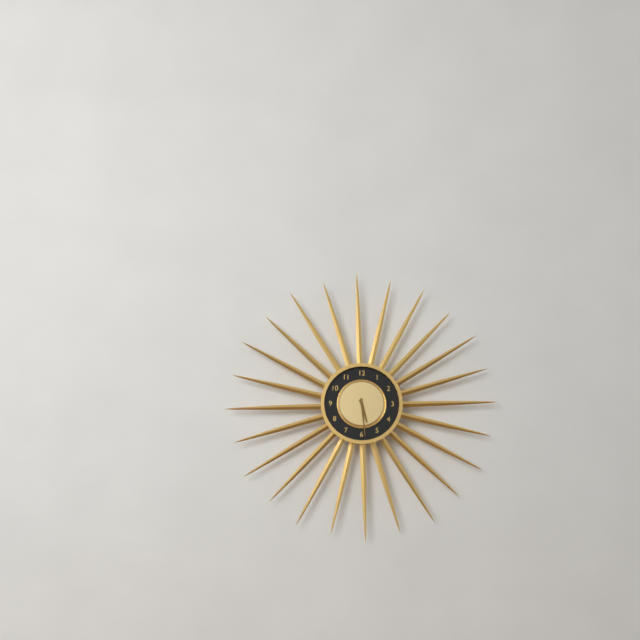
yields h=5 m=29
